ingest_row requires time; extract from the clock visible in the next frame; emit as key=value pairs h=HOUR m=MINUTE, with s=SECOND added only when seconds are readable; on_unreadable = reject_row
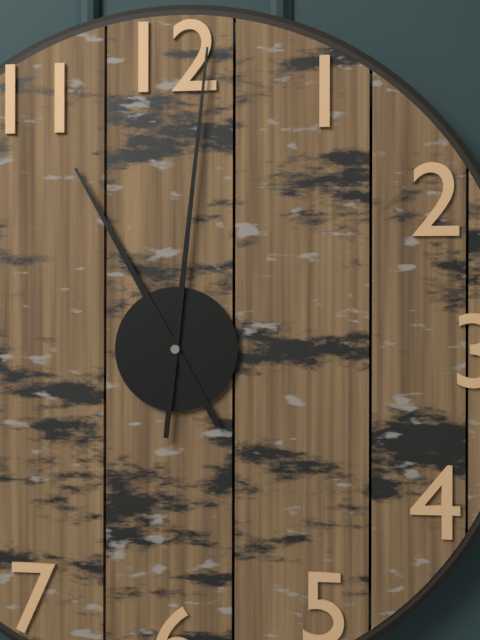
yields h=11 m=1
